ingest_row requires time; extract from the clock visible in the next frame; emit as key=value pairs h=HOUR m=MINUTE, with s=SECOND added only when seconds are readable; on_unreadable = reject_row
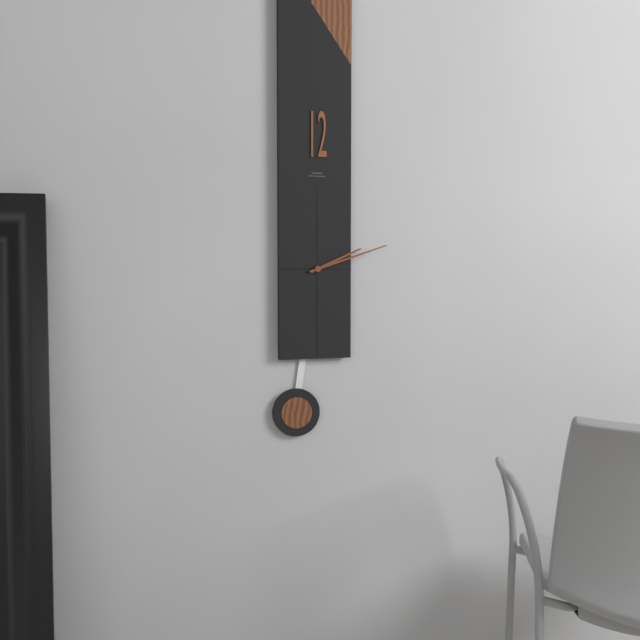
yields h=2 m=12
